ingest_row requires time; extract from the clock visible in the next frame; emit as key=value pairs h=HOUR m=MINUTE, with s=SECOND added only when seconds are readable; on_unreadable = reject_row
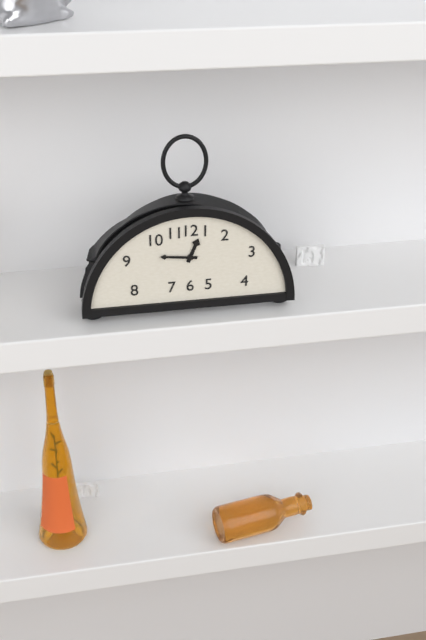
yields h=12 m=46
